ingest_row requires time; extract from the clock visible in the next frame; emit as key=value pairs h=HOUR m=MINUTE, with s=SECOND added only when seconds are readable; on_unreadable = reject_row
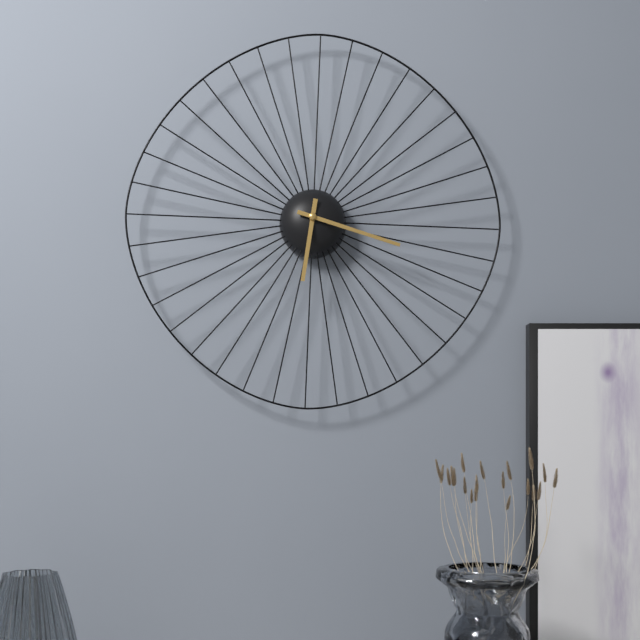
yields h=6 m=18
